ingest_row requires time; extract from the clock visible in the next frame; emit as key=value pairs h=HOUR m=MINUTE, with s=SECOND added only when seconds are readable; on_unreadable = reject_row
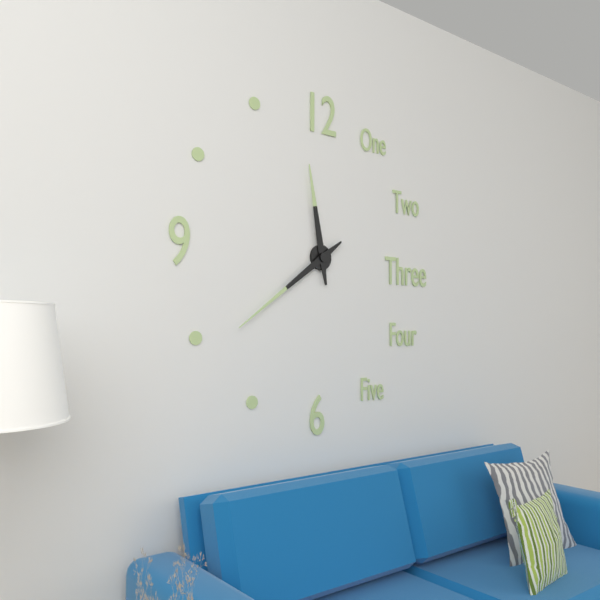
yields h=11 m=39
